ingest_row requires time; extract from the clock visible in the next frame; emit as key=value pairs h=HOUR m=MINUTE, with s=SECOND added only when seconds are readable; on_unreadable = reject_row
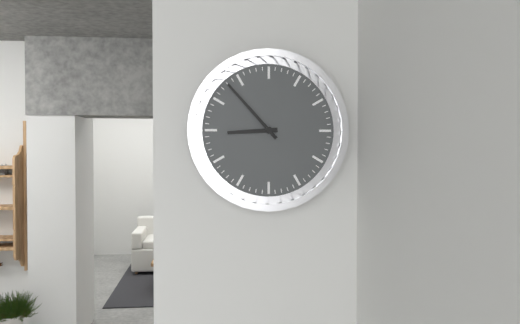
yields h=8 m=53
